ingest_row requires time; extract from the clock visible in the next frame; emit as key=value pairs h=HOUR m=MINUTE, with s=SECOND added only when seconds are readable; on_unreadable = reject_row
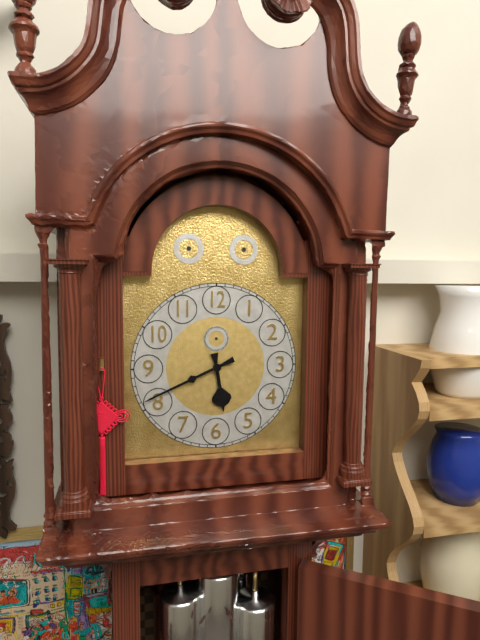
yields h=5 m=41
